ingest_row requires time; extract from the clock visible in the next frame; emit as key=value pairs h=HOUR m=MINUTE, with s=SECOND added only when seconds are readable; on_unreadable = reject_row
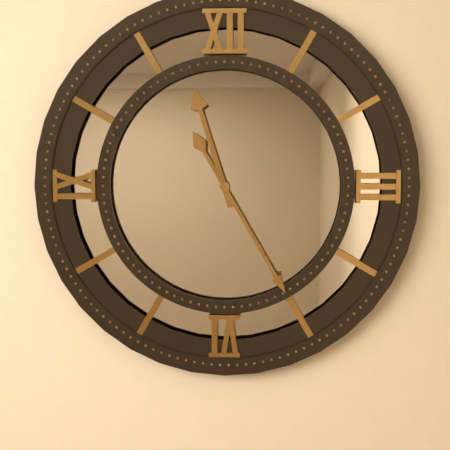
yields h=11 m=25
